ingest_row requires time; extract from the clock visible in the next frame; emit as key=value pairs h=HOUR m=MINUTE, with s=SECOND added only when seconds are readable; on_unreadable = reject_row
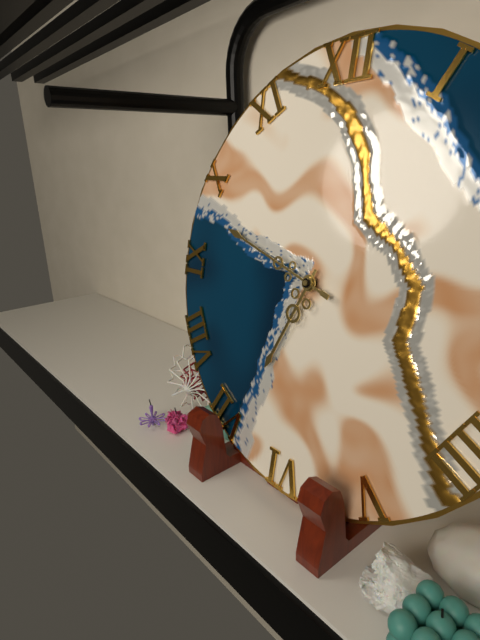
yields h=6 m=48
